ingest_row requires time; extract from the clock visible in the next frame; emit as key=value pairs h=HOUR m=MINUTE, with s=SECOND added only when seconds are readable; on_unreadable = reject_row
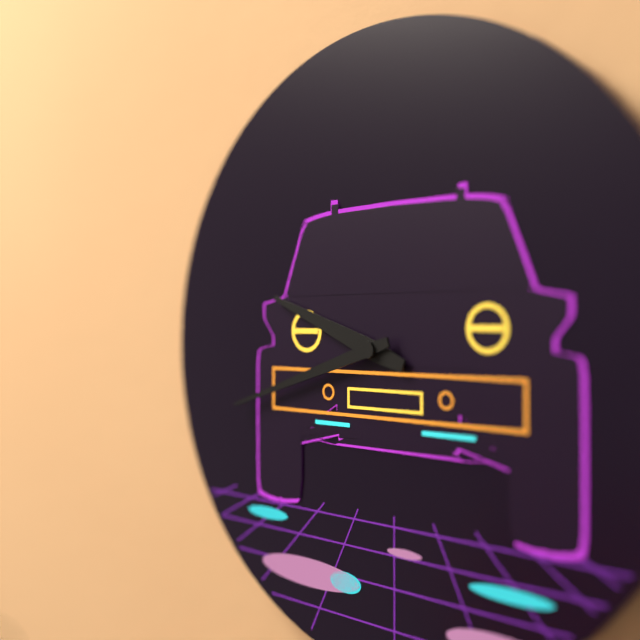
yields h=9 m=42
